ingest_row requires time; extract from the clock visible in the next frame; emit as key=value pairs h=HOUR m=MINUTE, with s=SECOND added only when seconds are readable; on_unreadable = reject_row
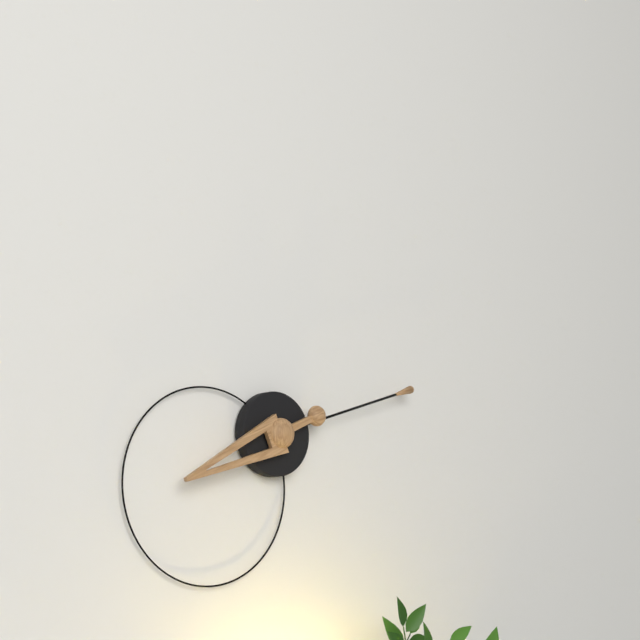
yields h=8 m=12
